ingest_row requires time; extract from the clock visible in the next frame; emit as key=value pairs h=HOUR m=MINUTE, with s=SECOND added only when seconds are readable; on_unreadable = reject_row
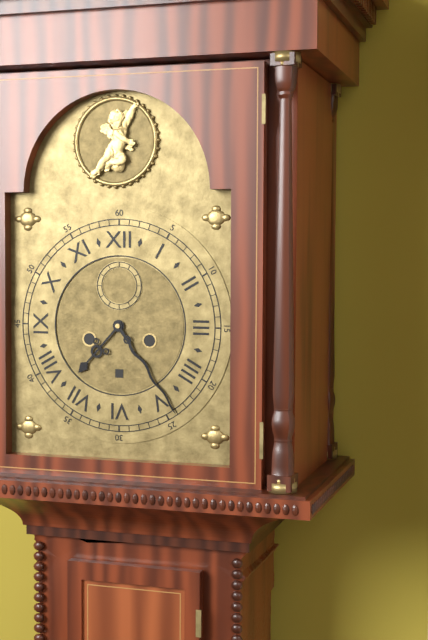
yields h=7 m=24
